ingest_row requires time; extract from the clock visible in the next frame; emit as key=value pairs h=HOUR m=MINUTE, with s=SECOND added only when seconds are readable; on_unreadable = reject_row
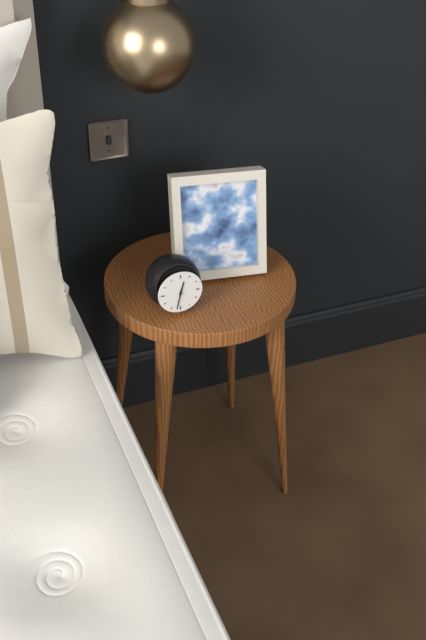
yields h=12 m=32
